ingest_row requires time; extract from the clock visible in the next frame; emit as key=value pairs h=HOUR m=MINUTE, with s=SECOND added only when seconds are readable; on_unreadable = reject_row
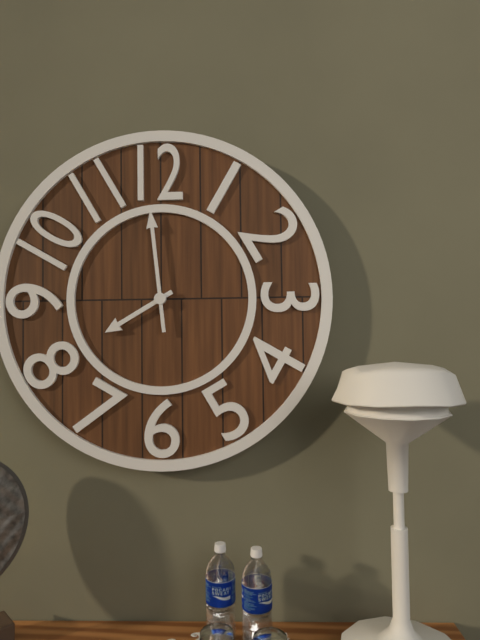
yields h=7 m=59
